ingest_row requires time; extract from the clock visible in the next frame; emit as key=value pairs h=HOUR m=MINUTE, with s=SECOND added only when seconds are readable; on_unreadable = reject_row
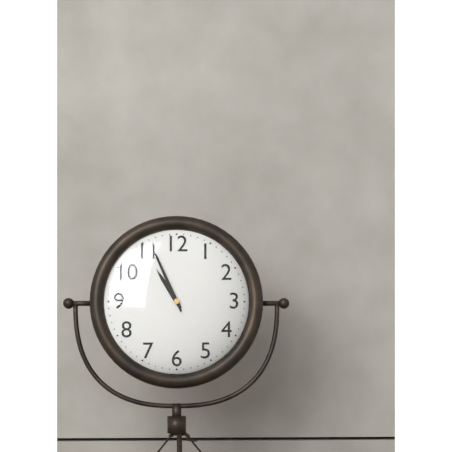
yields h=10 m=56
